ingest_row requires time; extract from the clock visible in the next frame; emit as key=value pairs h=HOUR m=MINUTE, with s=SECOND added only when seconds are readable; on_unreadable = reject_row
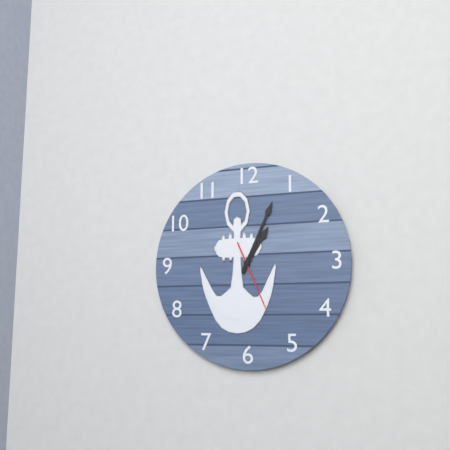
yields h=1 m=4 s=26
